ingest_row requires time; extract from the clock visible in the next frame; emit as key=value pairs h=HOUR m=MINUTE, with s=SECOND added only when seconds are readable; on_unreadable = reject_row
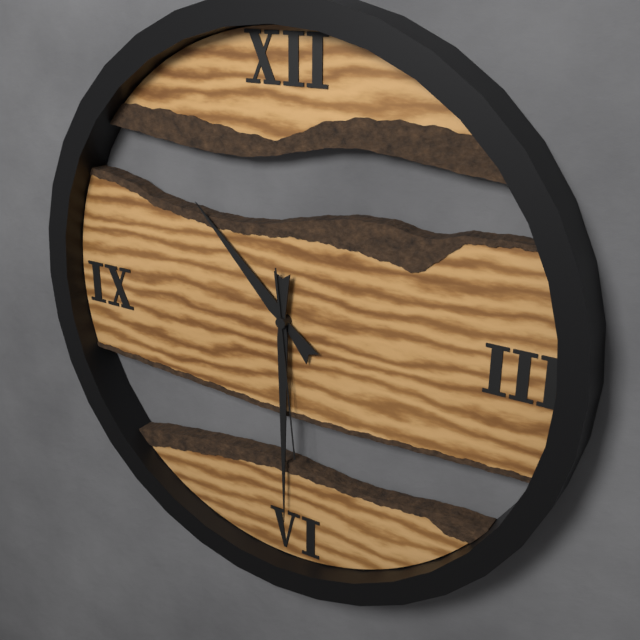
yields h=10 m=30 s=29
